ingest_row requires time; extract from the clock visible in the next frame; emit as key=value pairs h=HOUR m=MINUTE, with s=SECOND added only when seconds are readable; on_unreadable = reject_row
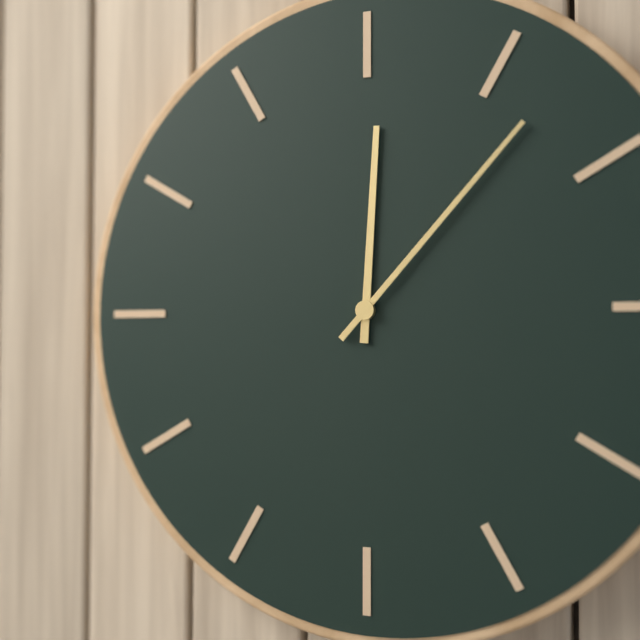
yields h=12 m=7
